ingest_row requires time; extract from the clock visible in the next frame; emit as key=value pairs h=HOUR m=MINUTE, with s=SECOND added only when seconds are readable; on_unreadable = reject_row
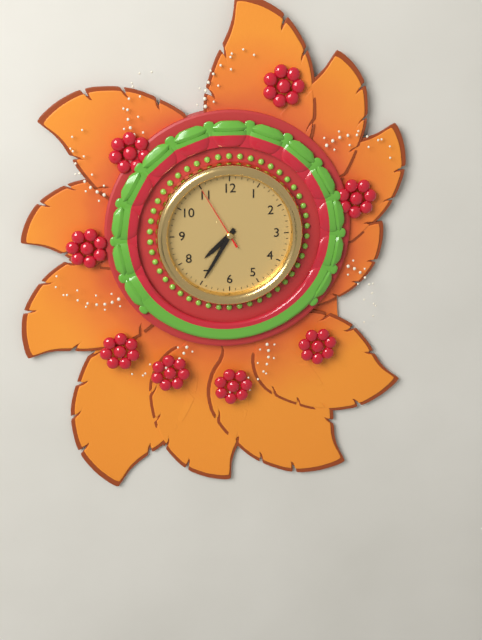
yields h=7 m=35 s=55
